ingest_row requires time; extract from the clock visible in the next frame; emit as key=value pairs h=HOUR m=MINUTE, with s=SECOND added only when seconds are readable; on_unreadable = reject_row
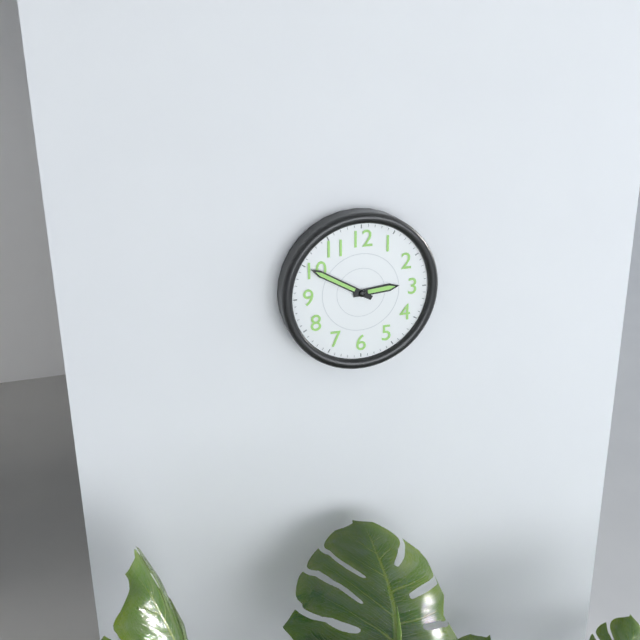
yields h=2 m=50
